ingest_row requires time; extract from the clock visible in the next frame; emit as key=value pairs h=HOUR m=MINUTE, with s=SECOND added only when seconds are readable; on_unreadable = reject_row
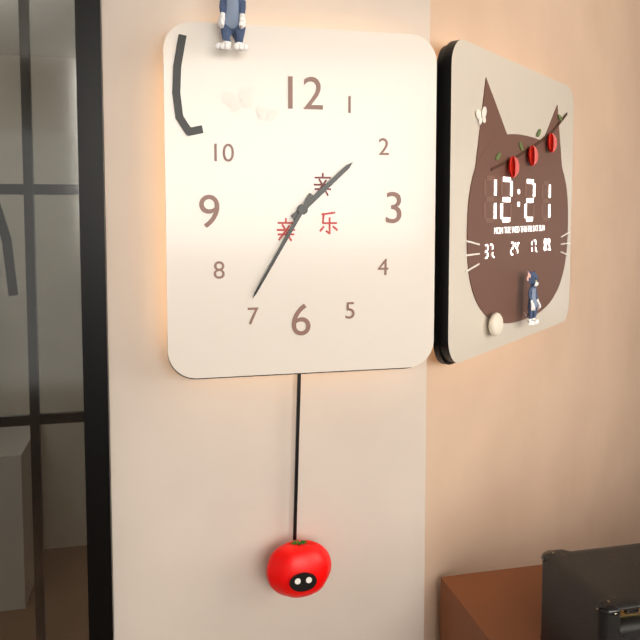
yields h=1 m=35
